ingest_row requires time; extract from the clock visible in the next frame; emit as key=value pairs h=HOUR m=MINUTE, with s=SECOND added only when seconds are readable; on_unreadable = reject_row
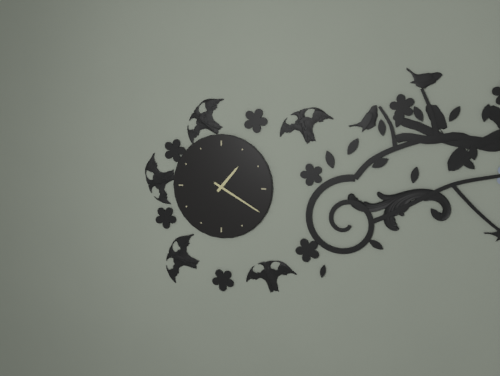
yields h=1 m=20
